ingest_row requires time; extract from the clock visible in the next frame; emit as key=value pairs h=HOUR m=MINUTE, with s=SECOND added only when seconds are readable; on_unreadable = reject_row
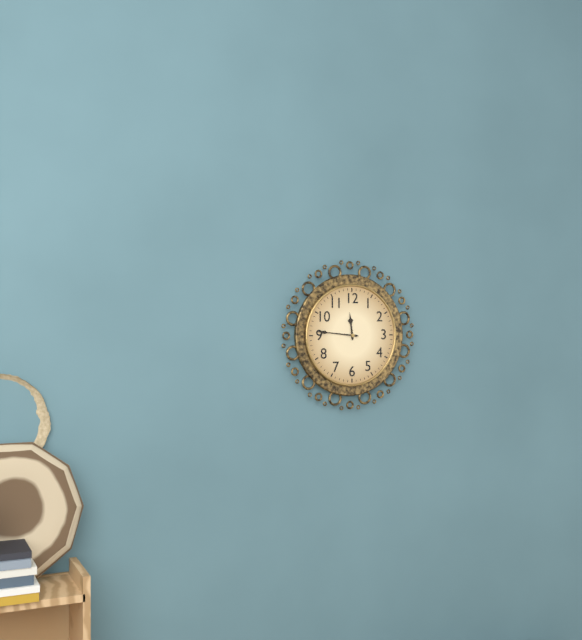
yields h=11 m=46
